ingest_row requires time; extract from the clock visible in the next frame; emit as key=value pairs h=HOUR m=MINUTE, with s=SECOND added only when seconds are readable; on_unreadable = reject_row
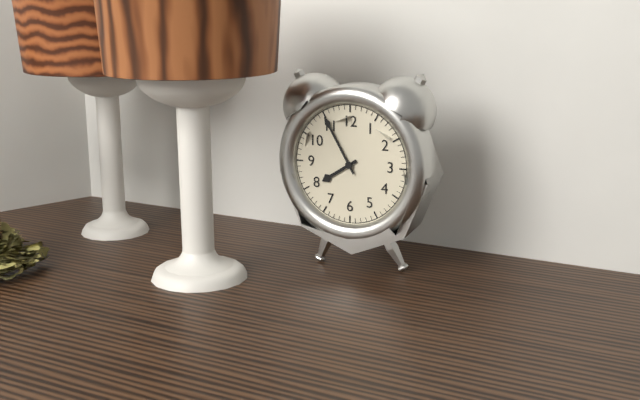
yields h=7 m=55
